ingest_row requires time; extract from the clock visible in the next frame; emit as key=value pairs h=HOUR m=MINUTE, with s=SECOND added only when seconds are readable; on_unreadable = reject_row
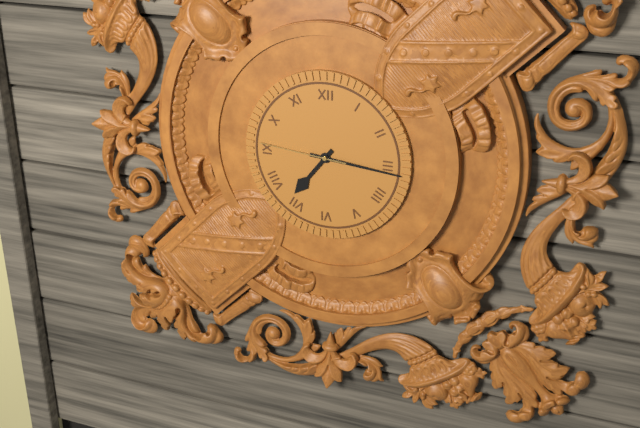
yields h=7 m=16 s=46
